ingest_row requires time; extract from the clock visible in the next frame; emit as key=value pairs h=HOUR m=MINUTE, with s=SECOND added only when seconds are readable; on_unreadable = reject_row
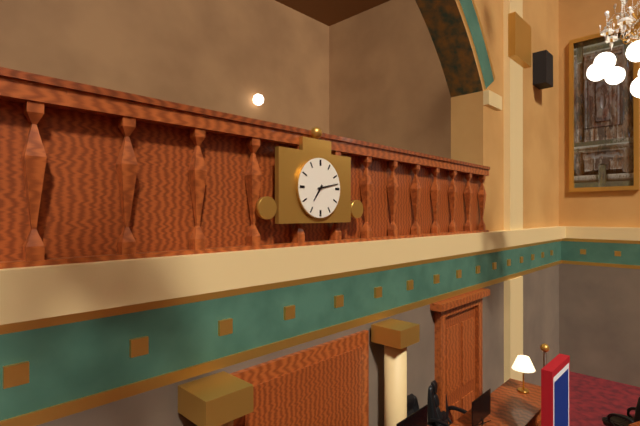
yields h=7 m=13
